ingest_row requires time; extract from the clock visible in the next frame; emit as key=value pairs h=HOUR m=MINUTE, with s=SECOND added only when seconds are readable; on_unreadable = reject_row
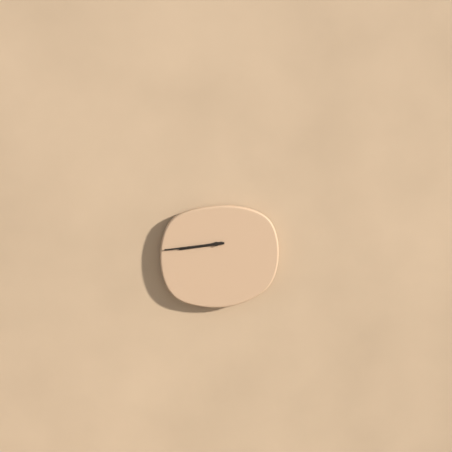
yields h=8 m=44
